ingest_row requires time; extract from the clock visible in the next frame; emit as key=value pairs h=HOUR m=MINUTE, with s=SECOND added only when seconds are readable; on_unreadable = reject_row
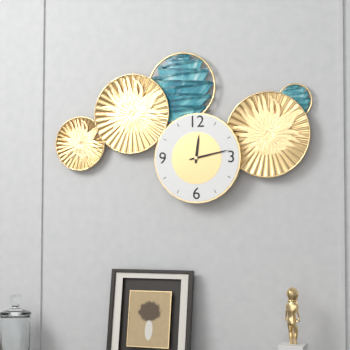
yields h=12 m=13
